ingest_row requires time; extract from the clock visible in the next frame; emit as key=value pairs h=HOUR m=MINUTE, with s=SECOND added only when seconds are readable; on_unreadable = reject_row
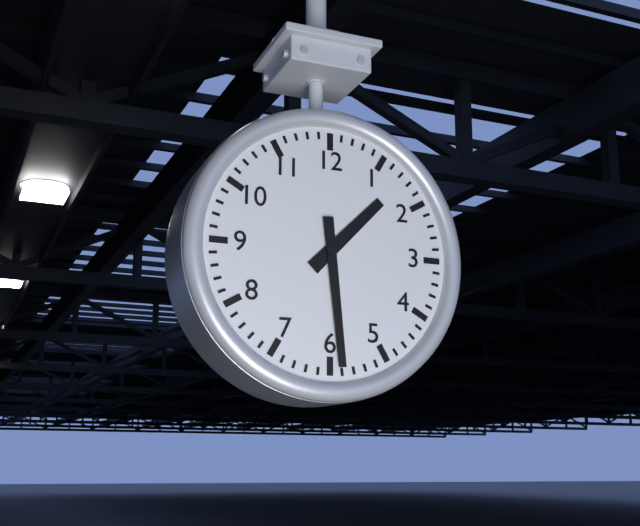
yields h=1 m=29
